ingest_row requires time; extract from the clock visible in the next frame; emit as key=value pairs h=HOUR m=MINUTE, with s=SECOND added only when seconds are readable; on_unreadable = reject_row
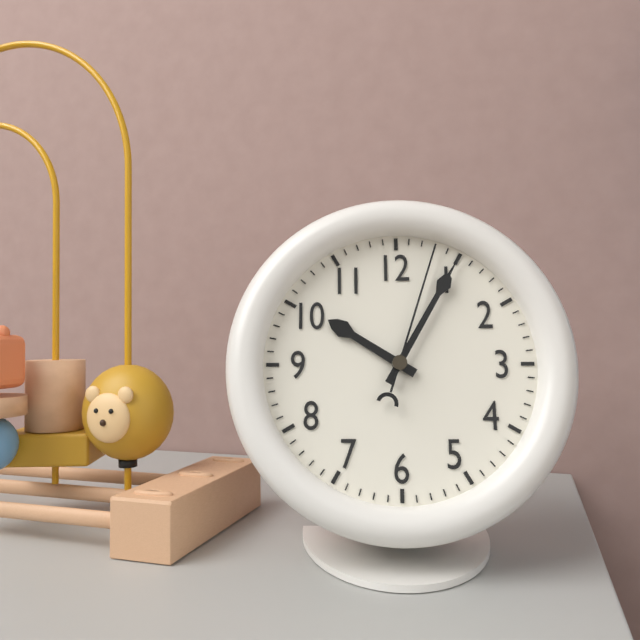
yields h=10 m=5 s=3
